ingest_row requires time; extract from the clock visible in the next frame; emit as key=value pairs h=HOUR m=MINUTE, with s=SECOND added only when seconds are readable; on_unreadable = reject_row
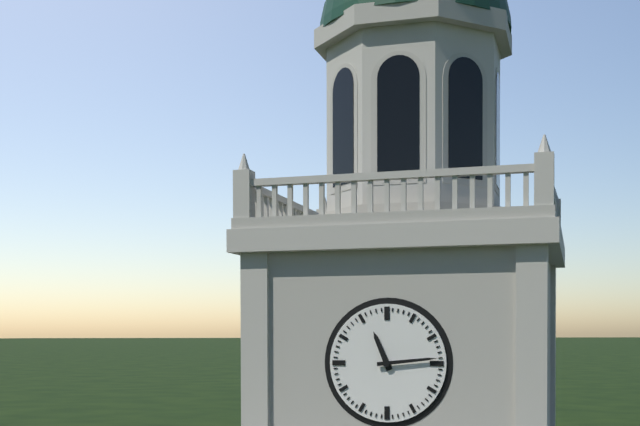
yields h=11 m=14
